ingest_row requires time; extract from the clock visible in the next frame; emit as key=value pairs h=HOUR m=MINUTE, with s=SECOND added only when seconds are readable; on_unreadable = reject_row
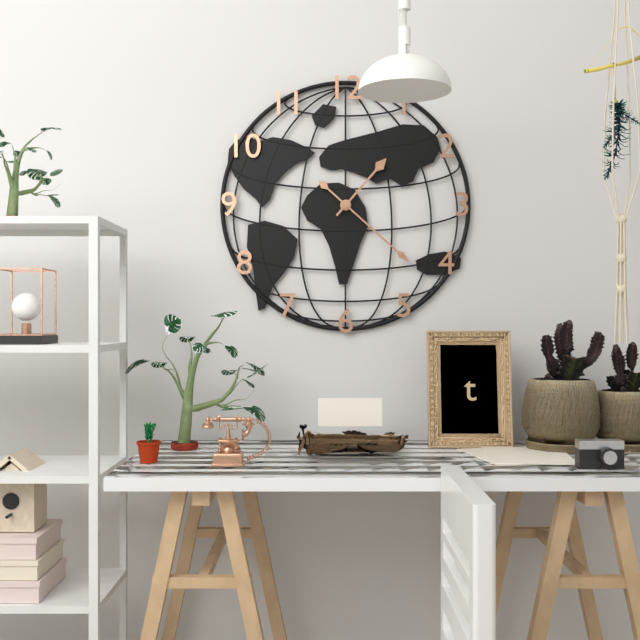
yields h=1 m=22
